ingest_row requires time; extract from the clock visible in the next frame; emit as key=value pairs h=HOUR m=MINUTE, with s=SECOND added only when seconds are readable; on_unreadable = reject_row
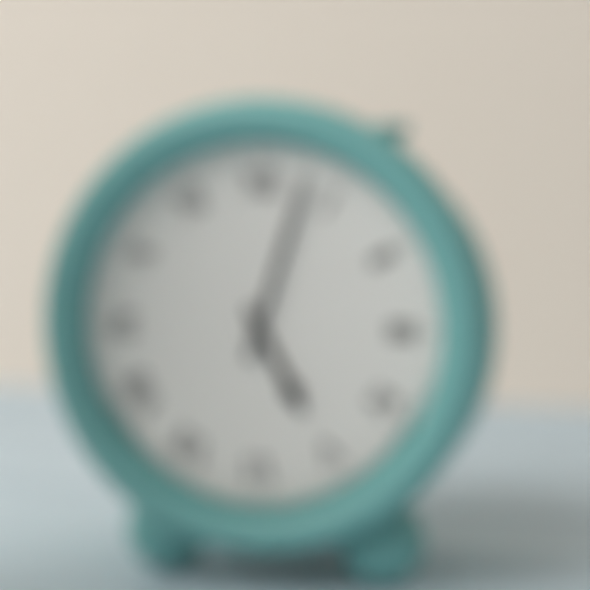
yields h=5 m=3
